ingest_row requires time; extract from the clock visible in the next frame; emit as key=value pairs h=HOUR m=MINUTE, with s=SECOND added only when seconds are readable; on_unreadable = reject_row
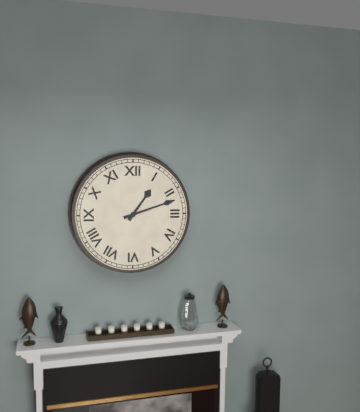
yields h=1 m=12
